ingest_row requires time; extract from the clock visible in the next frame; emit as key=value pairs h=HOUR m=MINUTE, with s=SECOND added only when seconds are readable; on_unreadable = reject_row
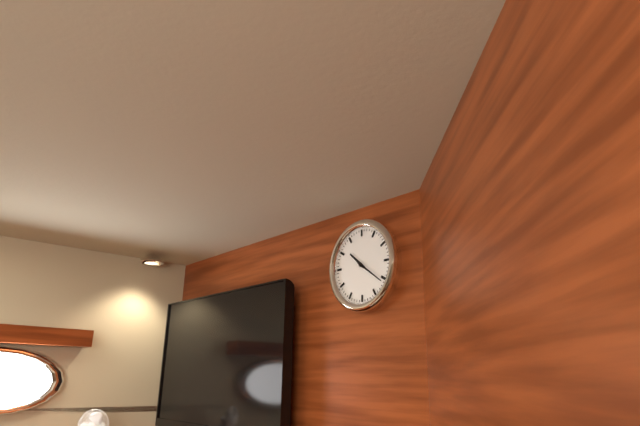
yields h=10 m=21
